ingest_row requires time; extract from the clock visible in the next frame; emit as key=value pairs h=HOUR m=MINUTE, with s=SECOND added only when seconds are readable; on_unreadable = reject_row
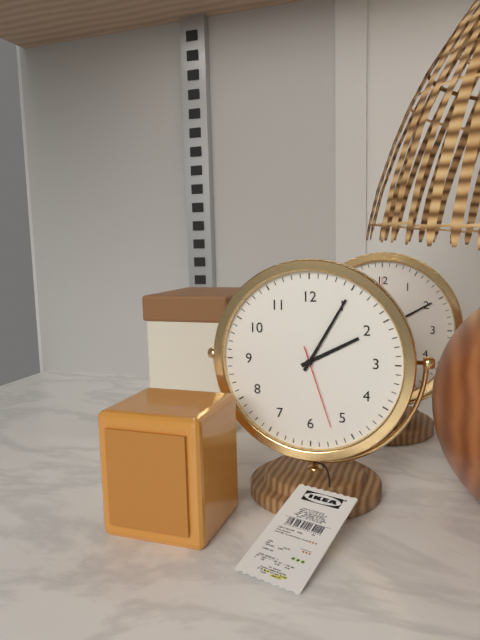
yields h=2 m=5 s=27
